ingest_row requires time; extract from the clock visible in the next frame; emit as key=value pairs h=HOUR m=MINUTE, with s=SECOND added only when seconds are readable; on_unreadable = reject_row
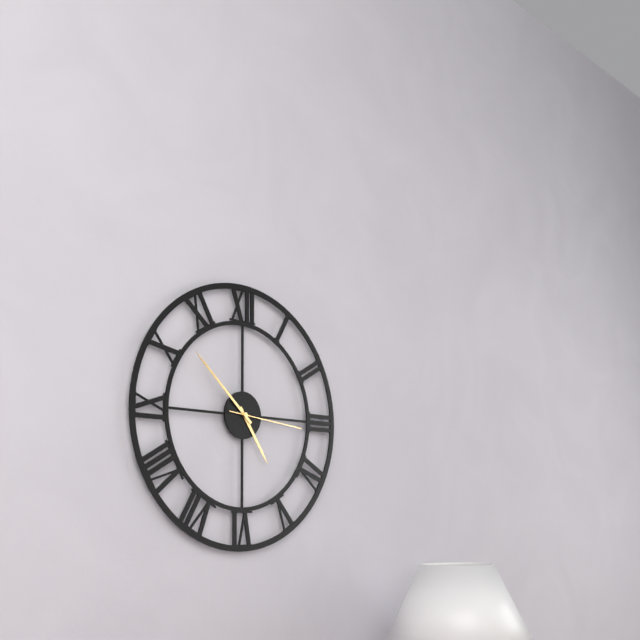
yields h=4 m=52 s=16
